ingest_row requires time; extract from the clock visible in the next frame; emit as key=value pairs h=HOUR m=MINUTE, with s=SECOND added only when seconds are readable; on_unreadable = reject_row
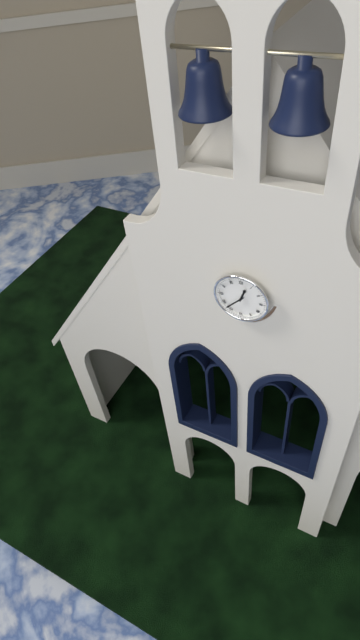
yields h=12 m=37
